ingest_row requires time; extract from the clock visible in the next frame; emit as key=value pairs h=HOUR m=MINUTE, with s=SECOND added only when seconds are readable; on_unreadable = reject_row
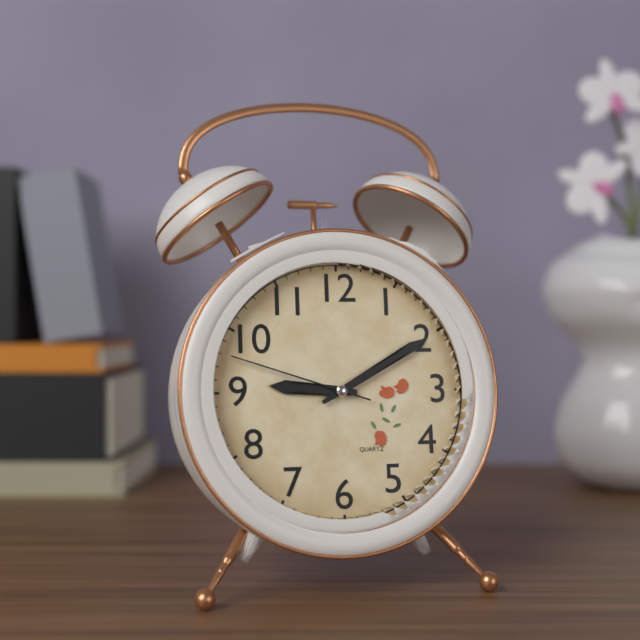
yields h=9 m=10 s=48
